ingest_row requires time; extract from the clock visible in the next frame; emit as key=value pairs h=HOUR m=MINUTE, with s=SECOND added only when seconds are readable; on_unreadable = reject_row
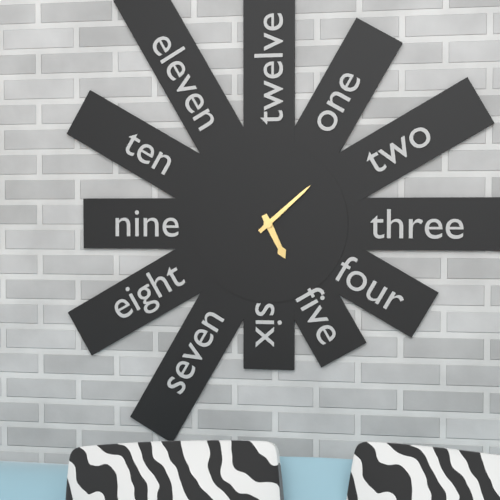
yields h=5 m=8
